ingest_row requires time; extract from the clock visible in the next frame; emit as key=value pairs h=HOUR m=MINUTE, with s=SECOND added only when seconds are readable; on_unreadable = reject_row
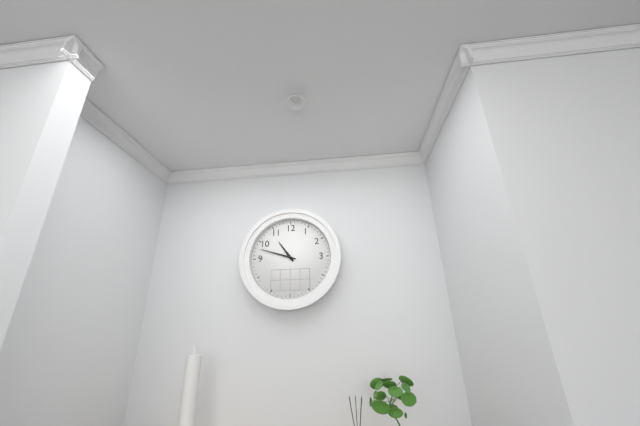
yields h=10 m=48
